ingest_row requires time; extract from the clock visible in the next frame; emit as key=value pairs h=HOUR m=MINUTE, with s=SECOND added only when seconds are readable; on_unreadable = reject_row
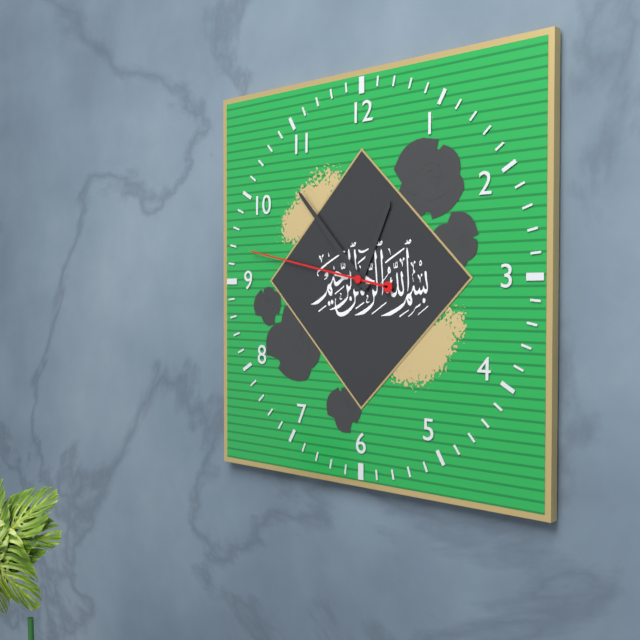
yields h=12 m=53 s=47
